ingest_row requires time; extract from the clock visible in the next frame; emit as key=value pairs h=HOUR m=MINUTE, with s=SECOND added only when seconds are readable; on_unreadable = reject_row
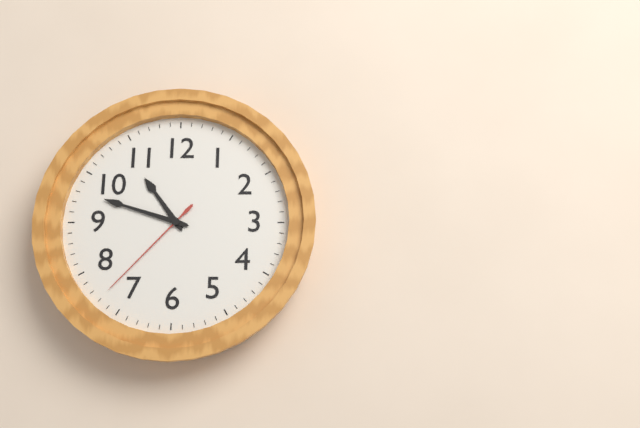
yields h=10 m=48 s=37
